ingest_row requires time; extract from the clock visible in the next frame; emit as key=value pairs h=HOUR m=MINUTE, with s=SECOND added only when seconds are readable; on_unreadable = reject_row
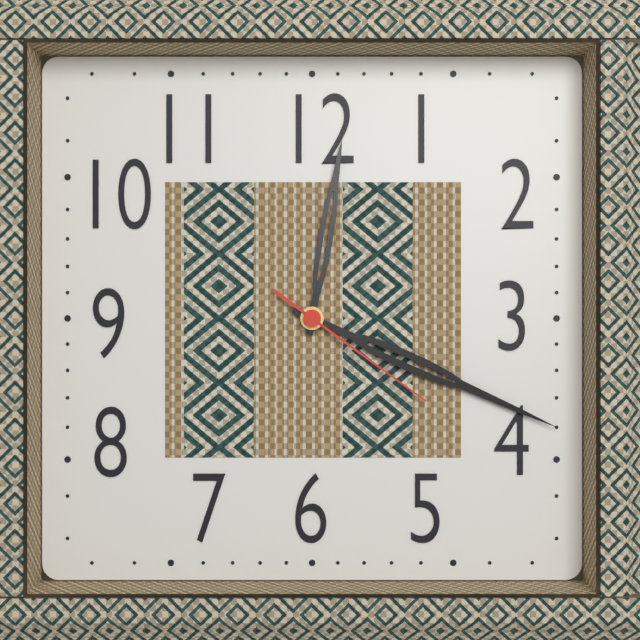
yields h=12 m=19 s=21
